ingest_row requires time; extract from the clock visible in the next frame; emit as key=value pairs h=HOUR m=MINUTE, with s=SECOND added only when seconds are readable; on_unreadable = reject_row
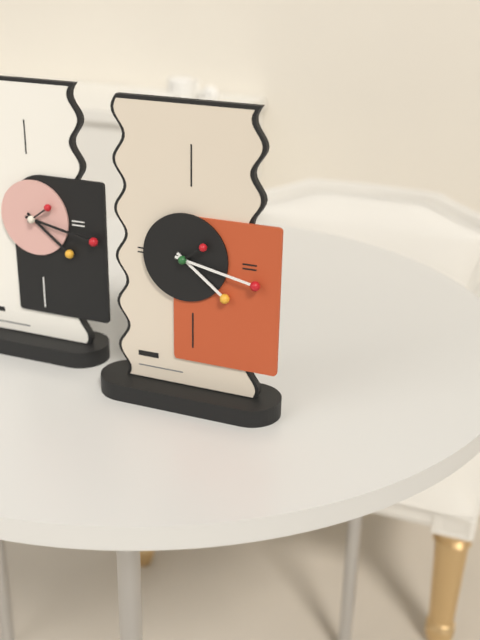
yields h=4 m=17
